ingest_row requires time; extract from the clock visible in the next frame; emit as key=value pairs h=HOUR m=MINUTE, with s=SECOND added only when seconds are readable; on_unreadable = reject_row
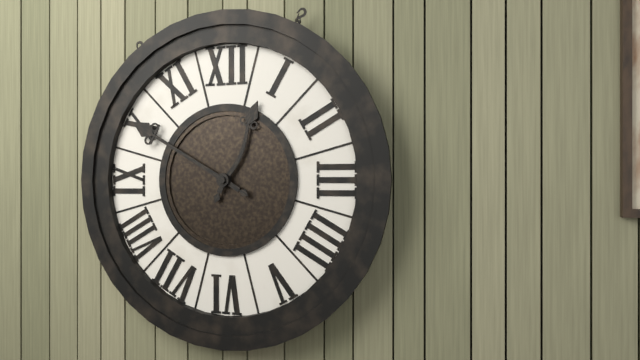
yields h=12 m=50
